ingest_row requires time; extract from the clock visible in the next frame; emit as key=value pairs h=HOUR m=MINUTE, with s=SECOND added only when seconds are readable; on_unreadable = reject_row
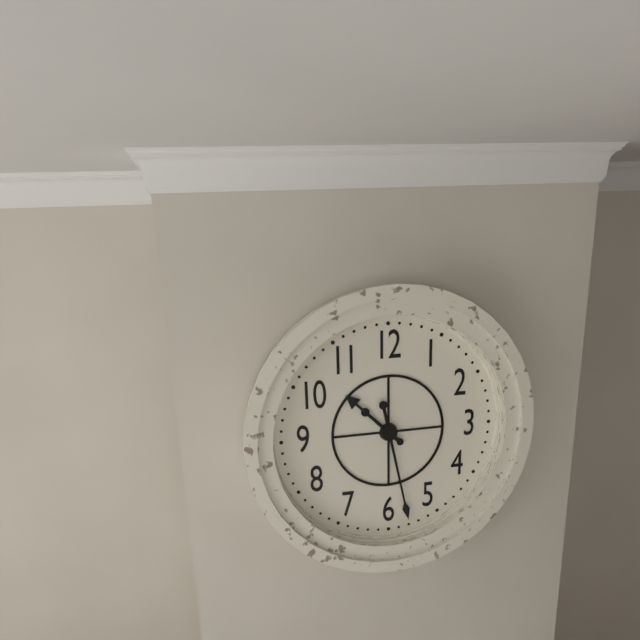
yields h=10 m=28
